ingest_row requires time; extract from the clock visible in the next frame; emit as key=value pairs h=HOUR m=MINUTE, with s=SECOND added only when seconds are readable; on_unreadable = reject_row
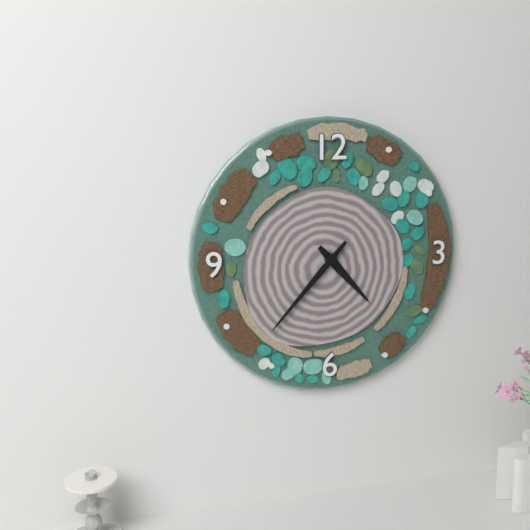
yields h=4 m=37
